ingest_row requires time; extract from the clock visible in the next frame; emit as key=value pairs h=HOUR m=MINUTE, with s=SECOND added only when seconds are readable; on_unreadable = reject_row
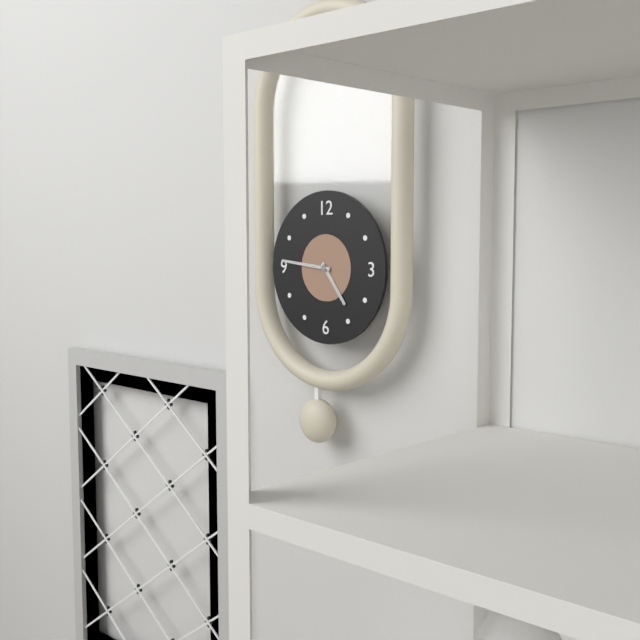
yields h=4 m=46
